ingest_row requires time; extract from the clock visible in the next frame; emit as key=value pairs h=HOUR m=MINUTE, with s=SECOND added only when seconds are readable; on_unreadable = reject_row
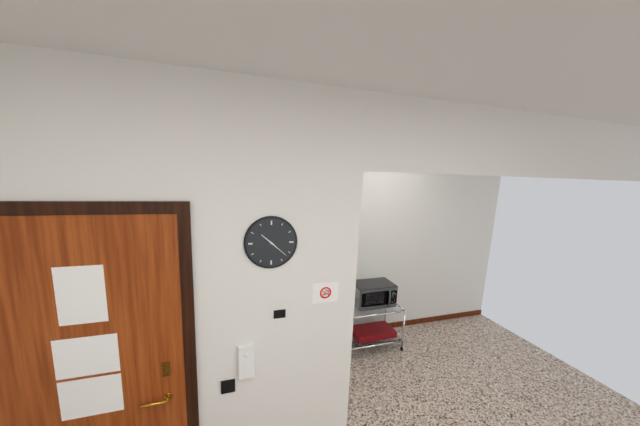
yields h=10 m=22
